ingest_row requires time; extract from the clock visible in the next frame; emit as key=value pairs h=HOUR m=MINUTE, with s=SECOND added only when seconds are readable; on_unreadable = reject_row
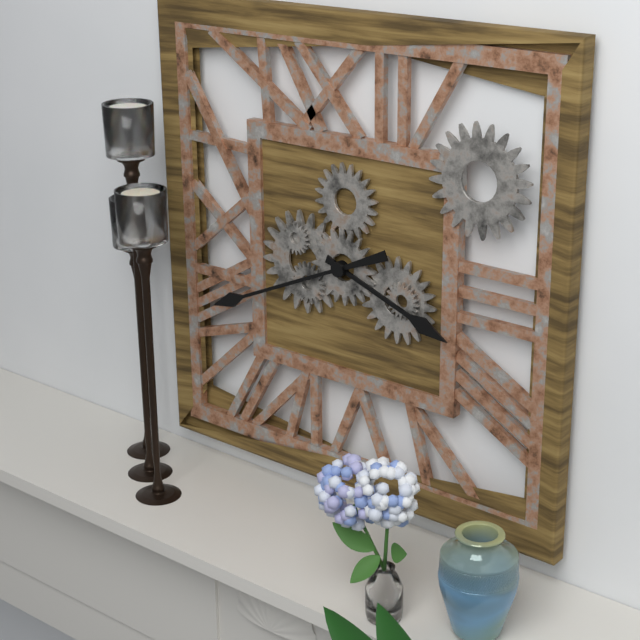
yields h=3 m=41
